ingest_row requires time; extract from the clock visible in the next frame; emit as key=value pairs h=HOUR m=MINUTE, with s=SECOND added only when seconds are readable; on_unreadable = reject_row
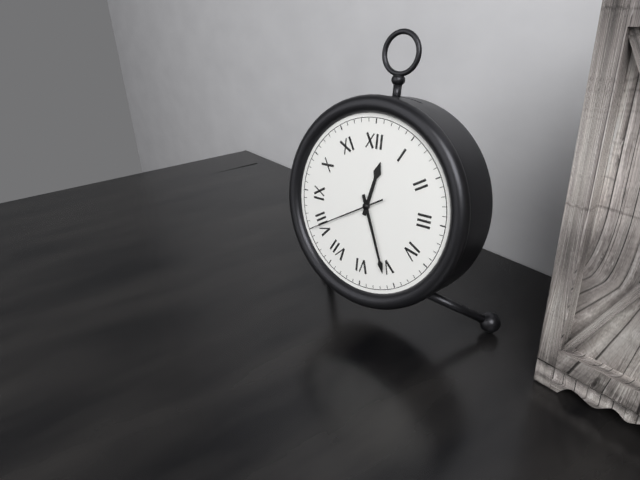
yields h=12 m=26 s=40
